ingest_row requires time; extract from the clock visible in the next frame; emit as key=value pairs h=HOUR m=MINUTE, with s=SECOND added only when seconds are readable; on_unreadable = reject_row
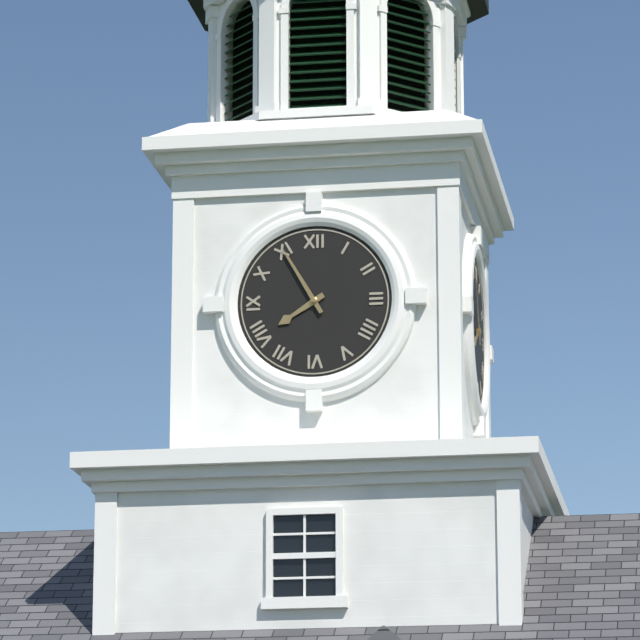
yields h=7 m=55
